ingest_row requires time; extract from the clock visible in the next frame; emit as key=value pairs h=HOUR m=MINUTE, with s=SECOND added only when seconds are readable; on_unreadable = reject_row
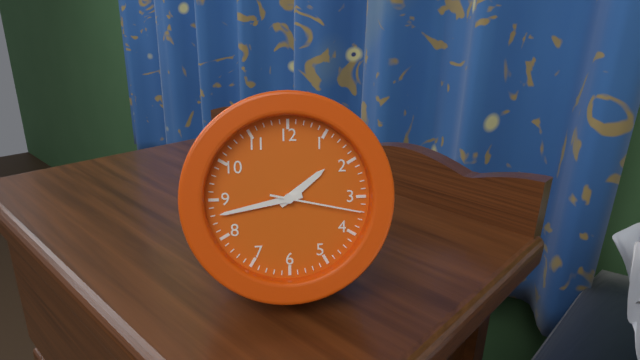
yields h=1 m=43 s=17
